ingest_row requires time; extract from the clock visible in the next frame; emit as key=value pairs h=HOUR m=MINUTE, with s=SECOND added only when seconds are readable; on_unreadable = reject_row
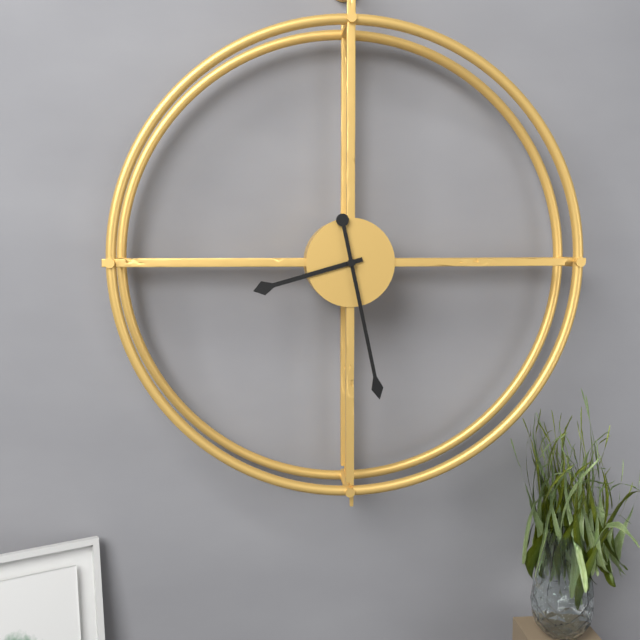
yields h=8 m=28
